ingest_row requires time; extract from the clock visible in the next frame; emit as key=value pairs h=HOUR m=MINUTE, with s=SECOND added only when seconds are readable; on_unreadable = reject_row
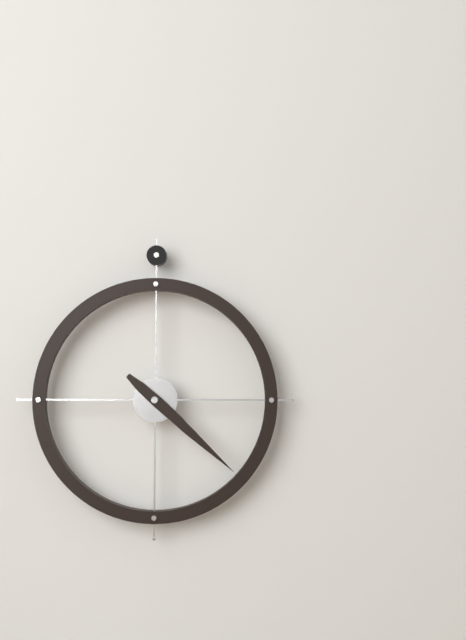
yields h=4 m=22
